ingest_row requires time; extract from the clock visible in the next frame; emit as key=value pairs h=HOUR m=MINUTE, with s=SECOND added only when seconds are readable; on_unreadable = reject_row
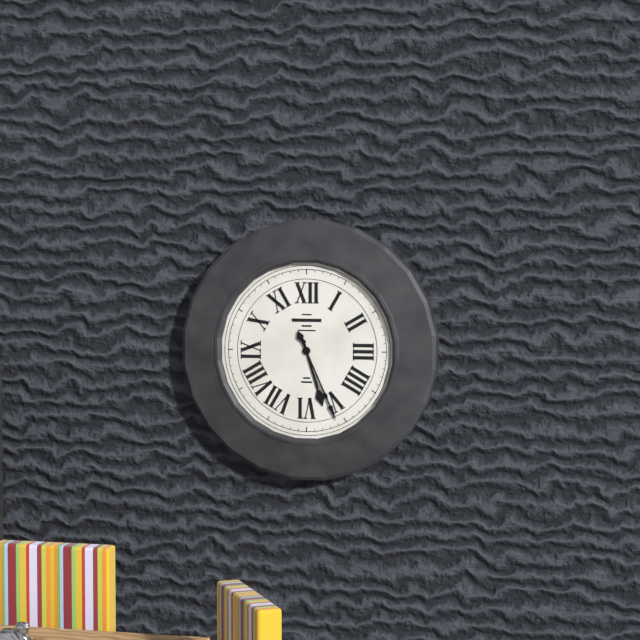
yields h=5 m=26
